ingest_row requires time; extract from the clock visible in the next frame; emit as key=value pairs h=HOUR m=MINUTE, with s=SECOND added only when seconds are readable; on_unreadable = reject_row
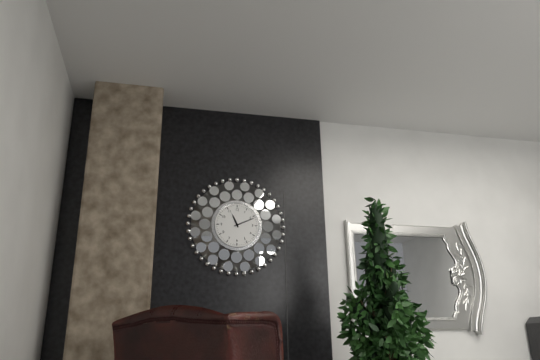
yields h=11 m=11
